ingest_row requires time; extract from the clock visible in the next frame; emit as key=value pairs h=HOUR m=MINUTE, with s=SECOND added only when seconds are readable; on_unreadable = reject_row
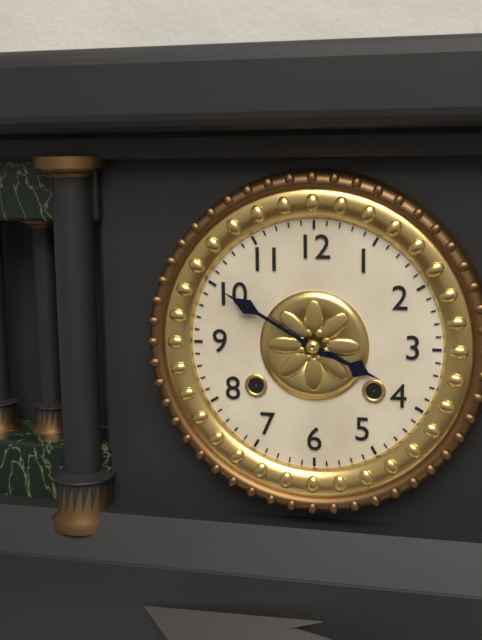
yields h=3 m=50
